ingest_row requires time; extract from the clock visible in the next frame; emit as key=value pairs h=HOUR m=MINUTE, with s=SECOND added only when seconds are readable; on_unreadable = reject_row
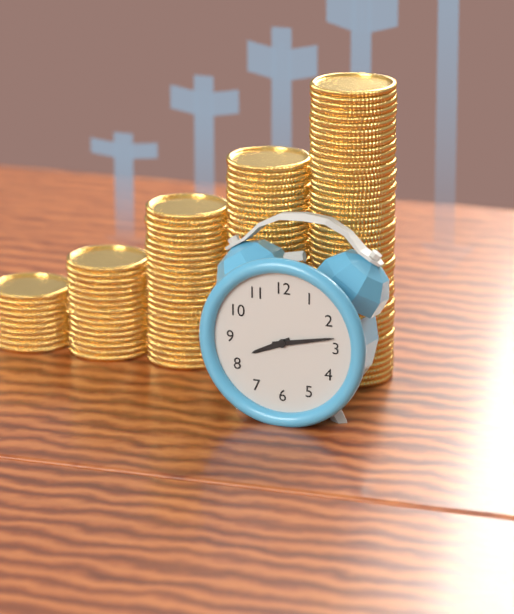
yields h=8 m=13
